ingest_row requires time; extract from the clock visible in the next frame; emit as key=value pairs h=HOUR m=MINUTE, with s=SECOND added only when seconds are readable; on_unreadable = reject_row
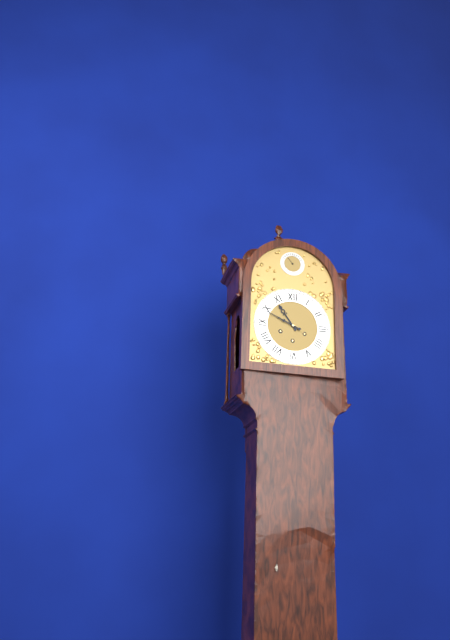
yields h=10 m=49
